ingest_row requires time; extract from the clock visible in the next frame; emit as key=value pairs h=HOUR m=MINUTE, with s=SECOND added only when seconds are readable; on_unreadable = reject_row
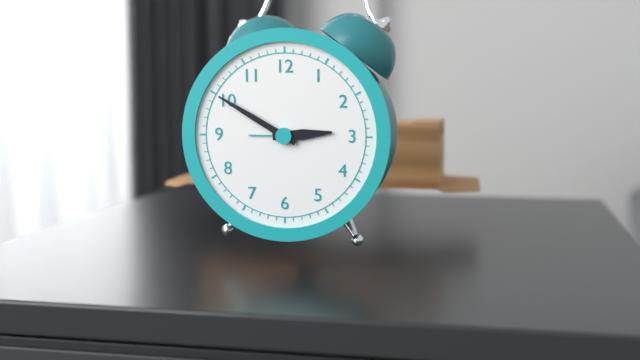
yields h=2 m=50
